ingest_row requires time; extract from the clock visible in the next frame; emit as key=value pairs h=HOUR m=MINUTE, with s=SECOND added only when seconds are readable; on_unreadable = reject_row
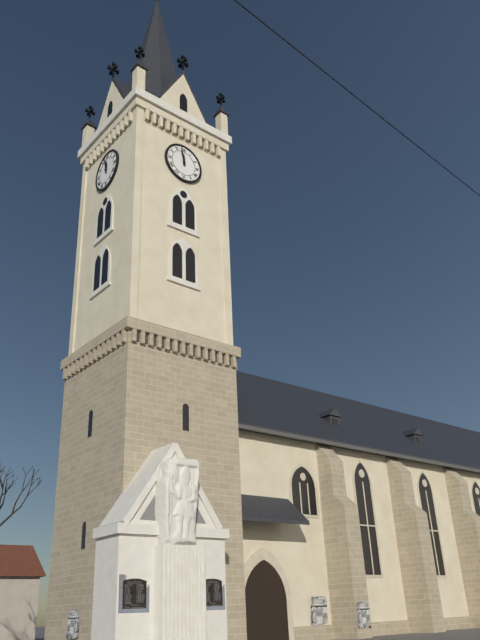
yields h=11 m=58
